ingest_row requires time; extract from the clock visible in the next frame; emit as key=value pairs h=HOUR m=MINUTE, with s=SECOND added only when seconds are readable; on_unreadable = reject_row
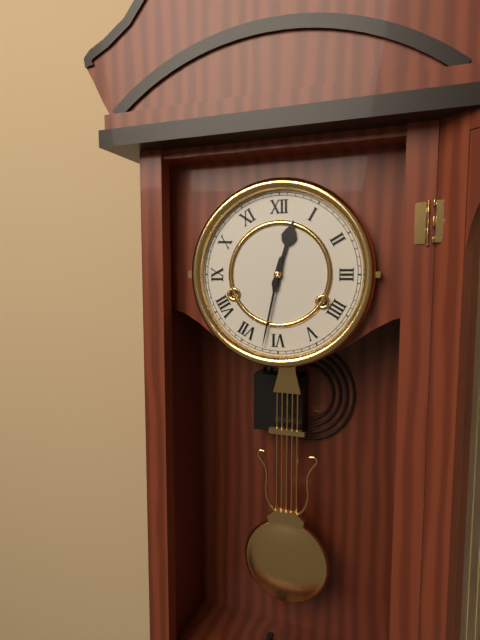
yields h=12 m=32
